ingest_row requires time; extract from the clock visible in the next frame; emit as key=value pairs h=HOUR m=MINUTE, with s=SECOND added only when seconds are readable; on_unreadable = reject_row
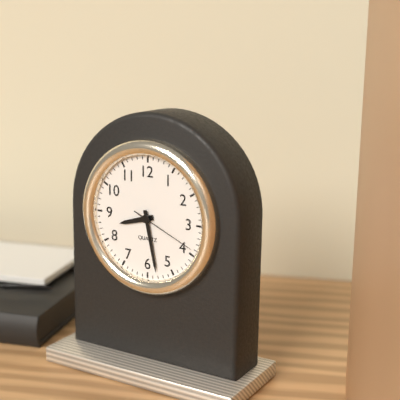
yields h=8 m=28 s=19
